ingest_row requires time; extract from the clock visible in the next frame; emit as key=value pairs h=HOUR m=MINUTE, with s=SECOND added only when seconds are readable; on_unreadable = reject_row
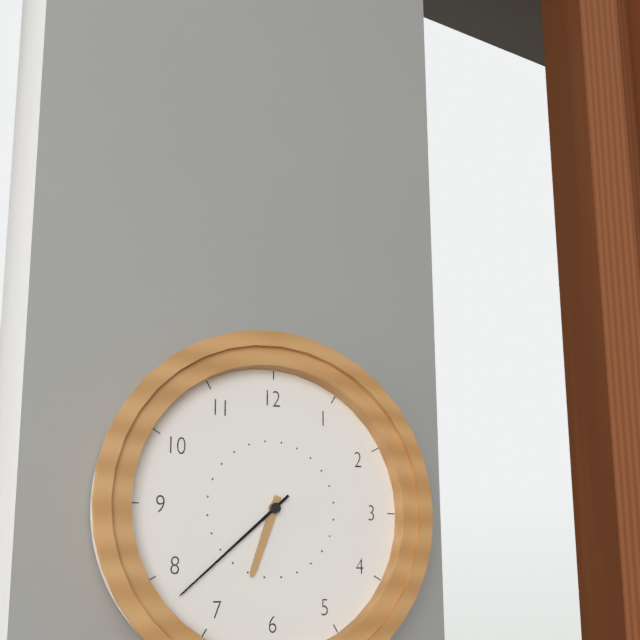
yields h=6 m=38
